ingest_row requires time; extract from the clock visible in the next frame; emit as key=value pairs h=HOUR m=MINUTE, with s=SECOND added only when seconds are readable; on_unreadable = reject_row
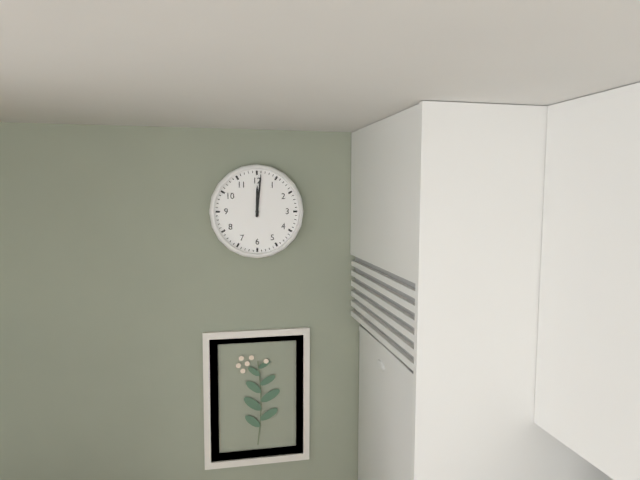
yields h=12 m=1
